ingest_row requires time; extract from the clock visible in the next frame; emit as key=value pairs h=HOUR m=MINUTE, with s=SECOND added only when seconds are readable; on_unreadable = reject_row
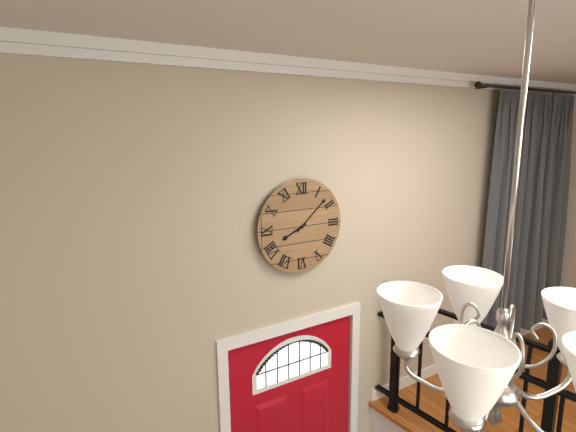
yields h=8 m=8
